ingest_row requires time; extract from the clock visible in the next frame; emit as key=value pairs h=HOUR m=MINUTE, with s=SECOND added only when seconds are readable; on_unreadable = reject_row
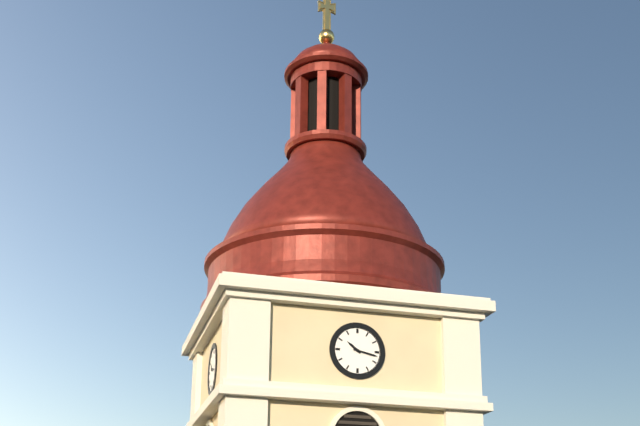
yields h=10 m=17
